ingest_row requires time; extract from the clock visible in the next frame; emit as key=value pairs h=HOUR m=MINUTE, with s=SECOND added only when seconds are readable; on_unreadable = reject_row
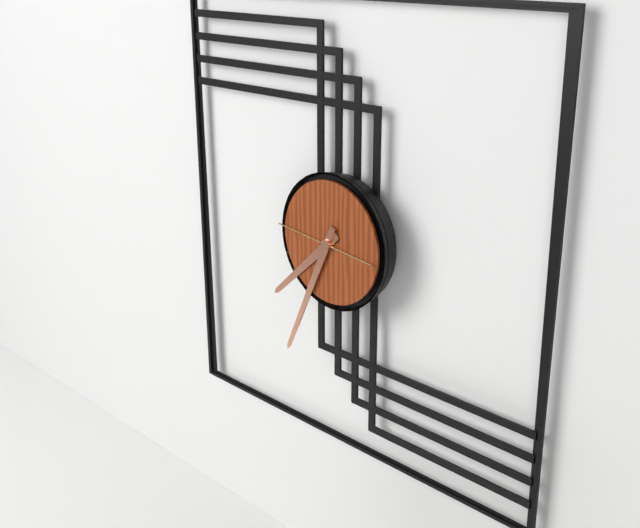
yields h=7 m=34 s=46
